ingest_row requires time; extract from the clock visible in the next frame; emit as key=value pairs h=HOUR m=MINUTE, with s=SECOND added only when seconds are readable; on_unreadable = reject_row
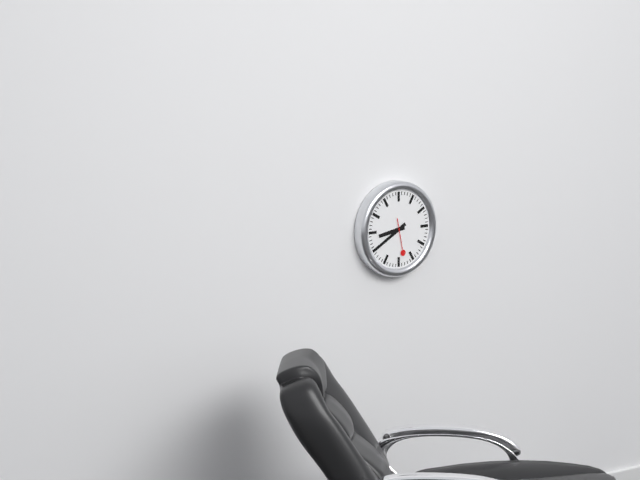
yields h=8 m=40
